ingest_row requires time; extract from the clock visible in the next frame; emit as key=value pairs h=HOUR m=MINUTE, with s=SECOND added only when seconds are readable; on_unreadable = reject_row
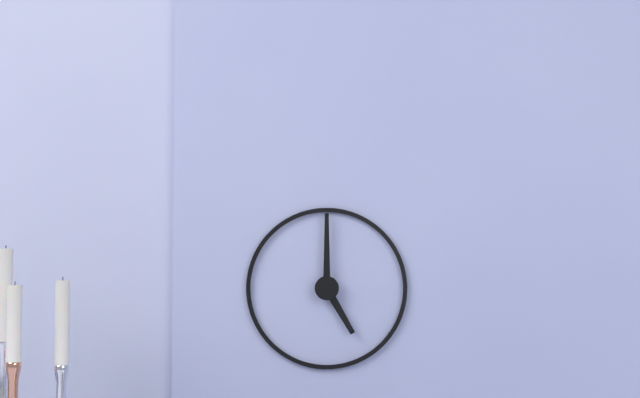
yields h=5 m=0
